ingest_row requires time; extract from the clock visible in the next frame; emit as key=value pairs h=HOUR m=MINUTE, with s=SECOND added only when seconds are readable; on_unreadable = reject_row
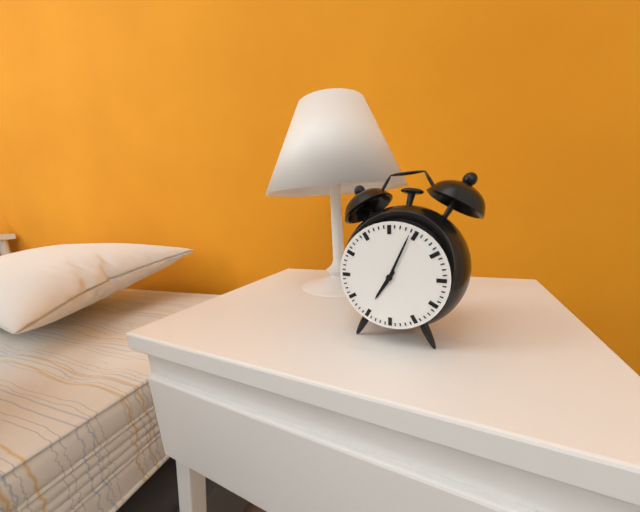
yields h=7 m=4
